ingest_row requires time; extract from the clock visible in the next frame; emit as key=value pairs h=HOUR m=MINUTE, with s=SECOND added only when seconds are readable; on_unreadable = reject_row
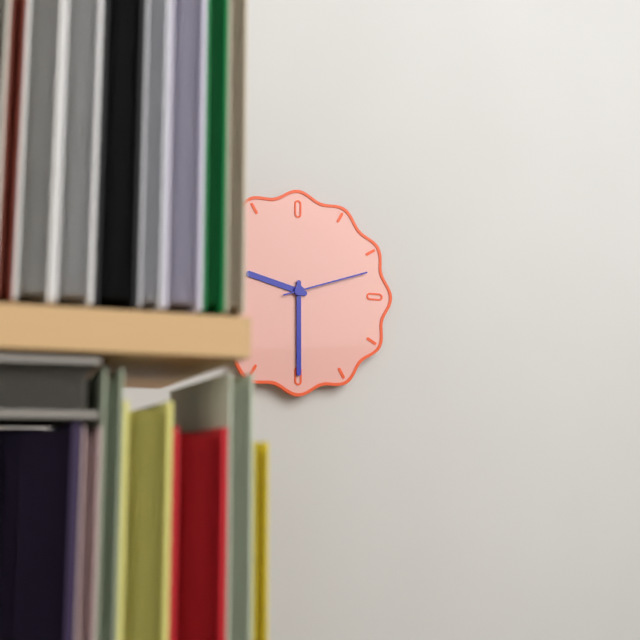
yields h=9 m=30 s=12
